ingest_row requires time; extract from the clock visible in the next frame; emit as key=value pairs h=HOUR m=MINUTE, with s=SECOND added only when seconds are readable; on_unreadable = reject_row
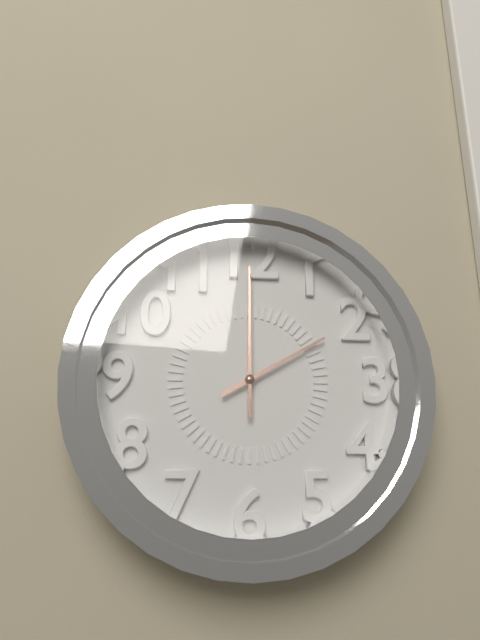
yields h=2 m=0
